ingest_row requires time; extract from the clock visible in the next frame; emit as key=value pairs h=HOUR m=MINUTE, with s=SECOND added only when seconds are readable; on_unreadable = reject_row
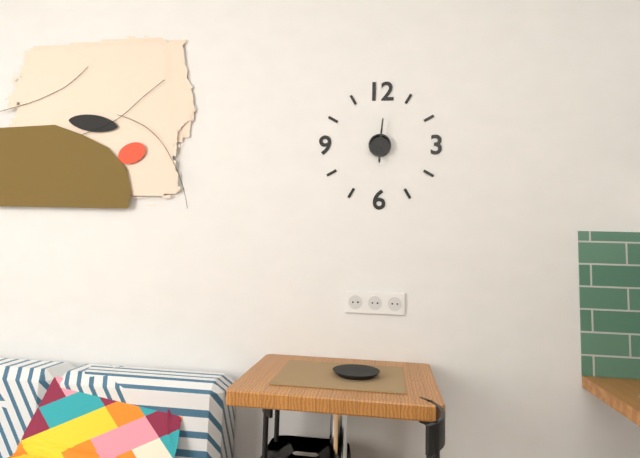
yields h=6 m=1
